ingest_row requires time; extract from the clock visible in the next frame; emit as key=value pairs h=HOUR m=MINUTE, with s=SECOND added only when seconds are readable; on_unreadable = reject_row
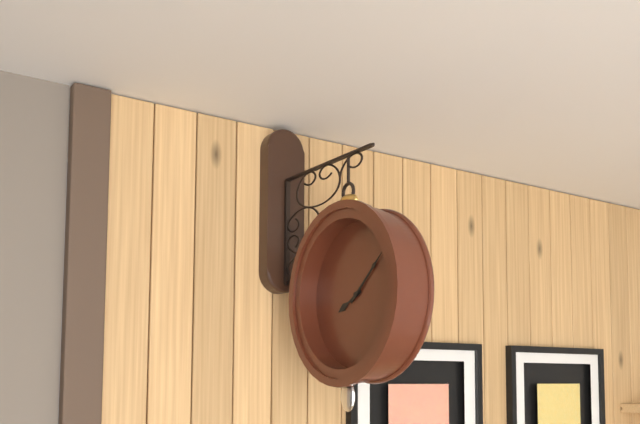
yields h=8 m=8
